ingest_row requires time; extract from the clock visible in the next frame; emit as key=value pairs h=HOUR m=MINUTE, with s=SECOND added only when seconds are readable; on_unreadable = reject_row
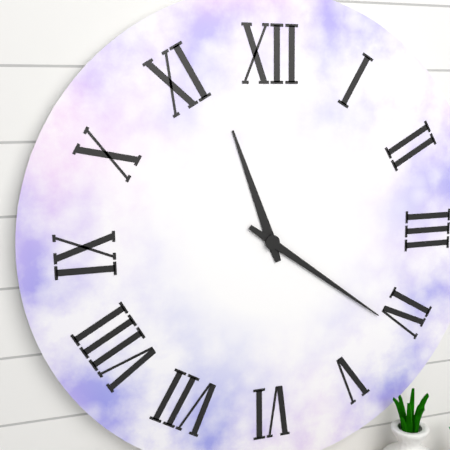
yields h=11 m=21
